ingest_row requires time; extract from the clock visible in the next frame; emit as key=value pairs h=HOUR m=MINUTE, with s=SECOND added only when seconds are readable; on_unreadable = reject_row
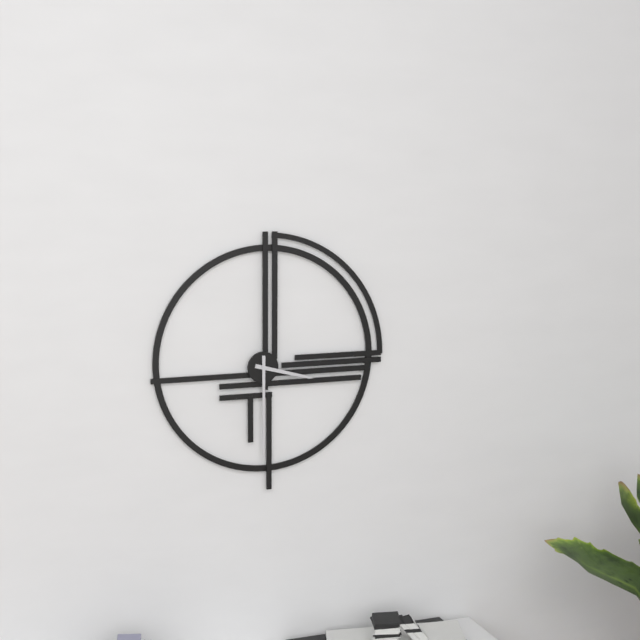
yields h=3 m=30
